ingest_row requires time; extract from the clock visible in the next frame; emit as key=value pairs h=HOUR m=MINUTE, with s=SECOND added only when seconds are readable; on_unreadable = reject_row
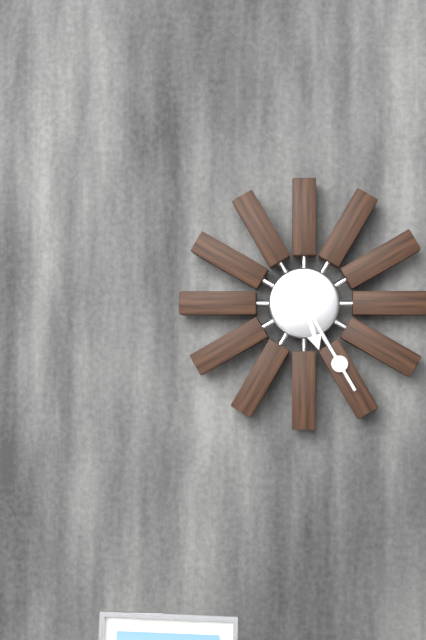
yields h=5 m=25
